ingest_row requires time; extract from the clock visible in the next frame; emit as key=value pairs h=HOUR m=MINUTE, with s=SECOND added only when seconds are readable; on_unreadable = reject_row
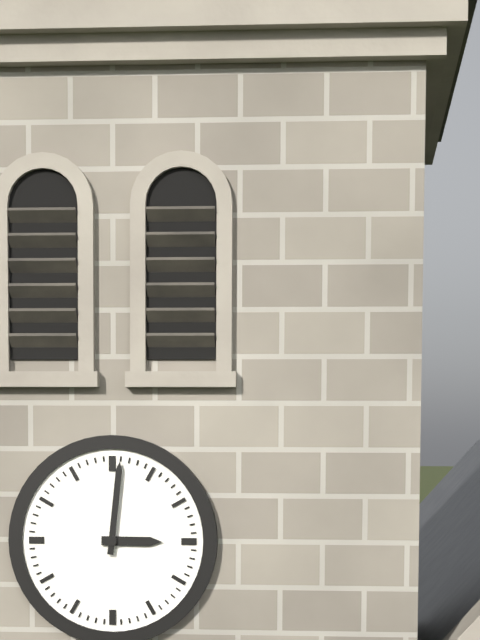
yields h=3 m=1
